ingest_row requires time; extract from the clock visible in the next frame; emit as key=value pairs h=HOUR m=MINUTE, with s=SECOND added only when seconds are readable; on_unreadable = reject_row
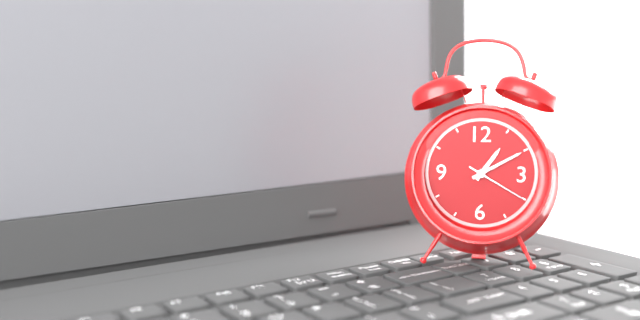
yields h=1 m=10 s=20
